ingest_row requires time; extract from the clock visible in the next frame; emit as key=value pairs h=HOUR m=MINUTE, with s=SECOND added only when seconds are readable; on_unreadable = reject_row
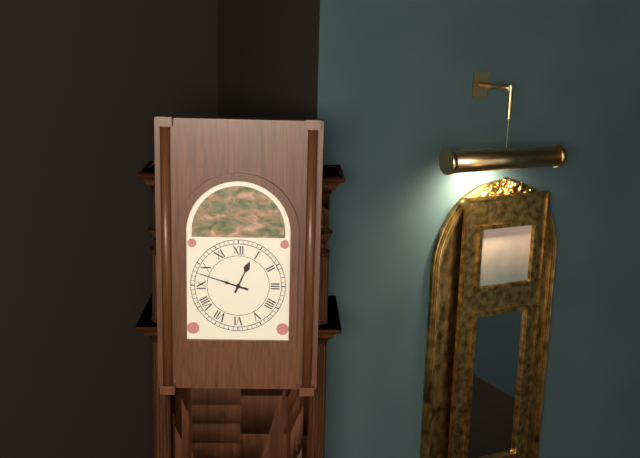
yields h=12 m=48
